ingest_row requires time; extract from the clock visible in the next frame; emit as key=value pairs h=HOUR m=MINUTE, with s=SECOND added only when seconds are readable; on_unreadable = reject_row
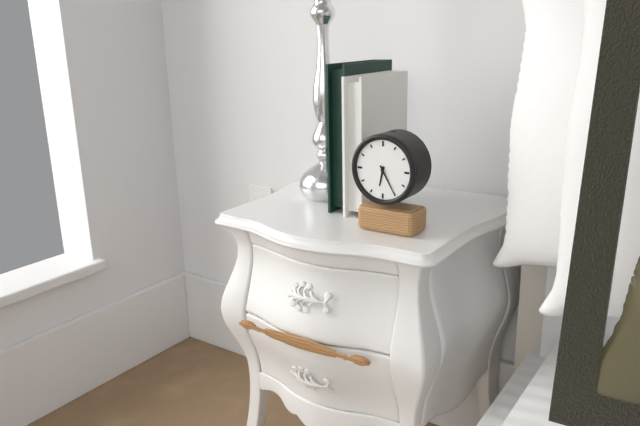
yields h=6 m=25
